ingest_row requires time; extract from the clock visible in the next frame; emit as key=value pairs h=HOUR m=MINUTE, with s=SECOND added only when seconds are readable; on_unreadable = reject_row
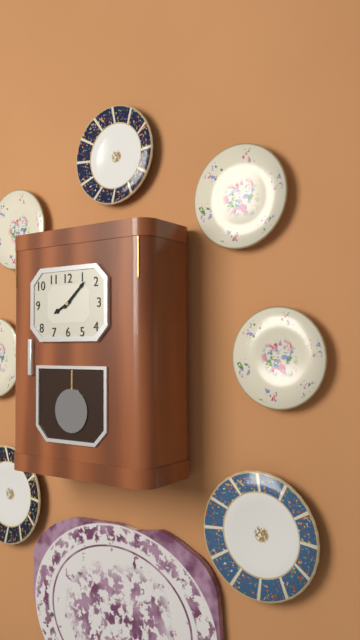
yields h=8 m=8
